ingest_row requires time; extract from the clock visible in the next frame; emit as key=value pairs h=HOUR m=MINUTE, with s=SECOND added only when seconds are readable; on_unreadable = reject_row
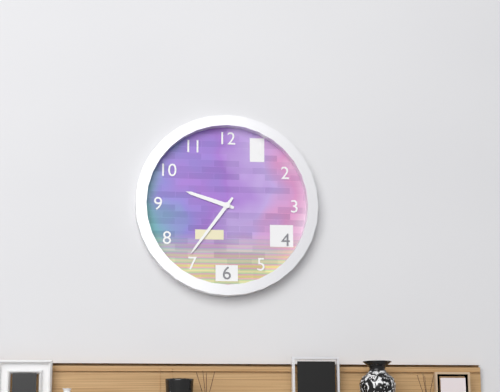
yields h=9 m=36
